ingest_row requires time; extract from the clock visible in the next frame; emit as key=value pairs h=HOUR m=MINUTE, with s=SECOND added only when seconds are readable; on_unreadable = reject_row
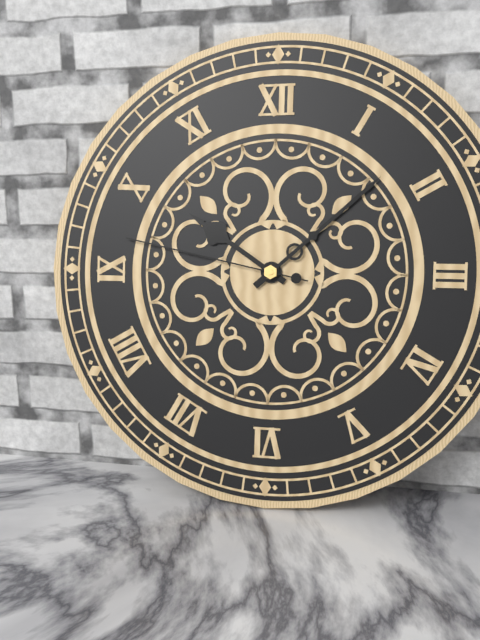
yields h=10 m=8 s=47
